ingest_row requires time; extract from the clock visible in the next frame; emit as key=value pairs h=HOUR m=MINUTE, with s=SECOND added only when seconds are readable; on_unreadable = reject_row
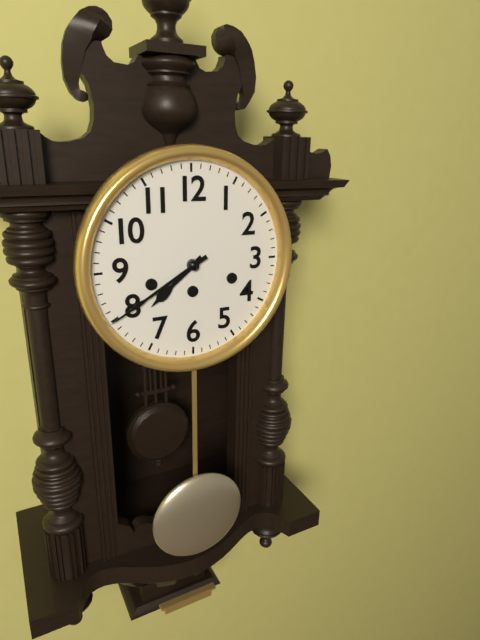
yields h=7 m=40
